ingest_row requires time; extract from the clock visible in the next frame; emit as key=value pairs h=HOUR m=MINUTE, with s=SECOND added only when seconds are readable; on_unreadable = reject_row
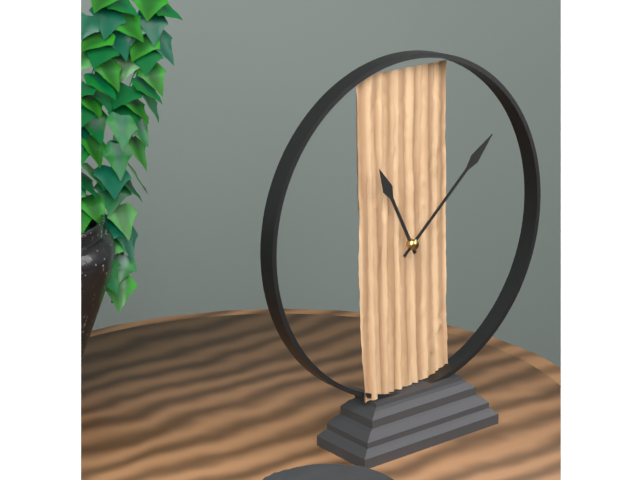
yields h=11 m=8
